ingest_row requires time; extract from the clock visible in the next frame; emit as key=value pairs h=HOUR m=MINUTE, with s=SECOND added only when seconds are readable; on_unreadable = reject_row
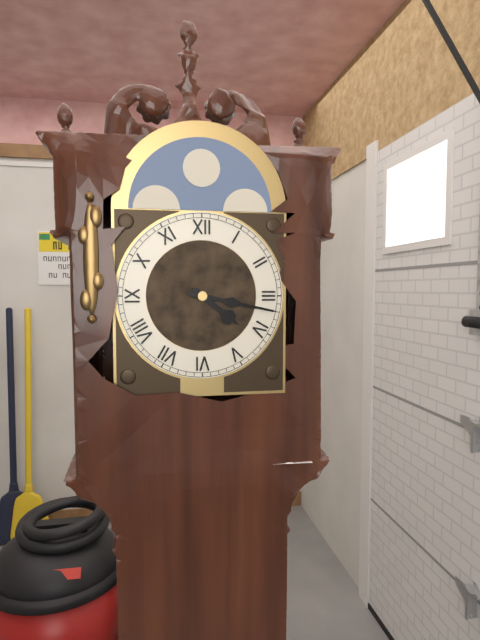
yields h=4 m=17
